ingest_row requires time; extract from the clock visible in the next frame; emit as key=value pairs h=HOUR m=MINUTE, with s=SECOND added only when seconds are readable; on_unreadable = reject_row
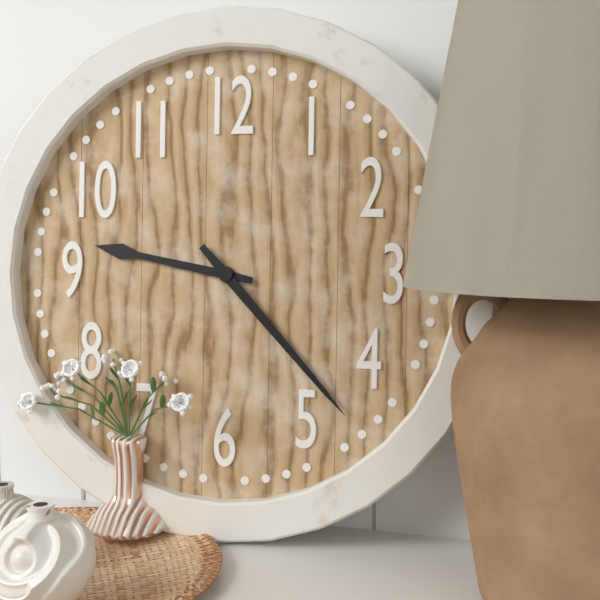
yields h=9 m=23
